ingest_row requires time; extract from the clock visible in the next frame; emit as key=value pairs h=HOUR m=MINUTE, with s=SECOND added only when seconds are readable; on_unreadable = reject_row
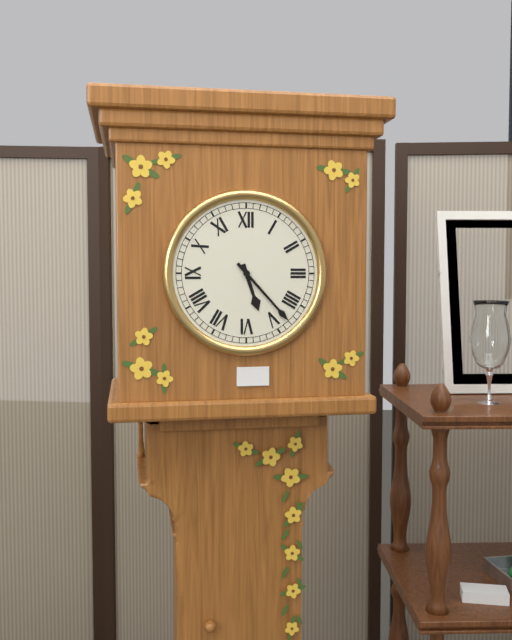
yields h=5 m=23
